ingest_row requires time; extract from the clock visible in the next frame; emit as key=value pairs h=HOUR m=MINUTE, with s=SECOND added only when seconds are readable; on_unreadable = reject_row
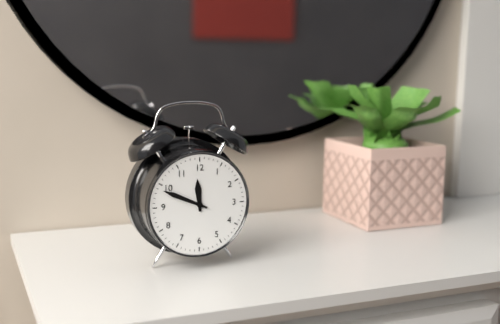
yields h=11 m=49
